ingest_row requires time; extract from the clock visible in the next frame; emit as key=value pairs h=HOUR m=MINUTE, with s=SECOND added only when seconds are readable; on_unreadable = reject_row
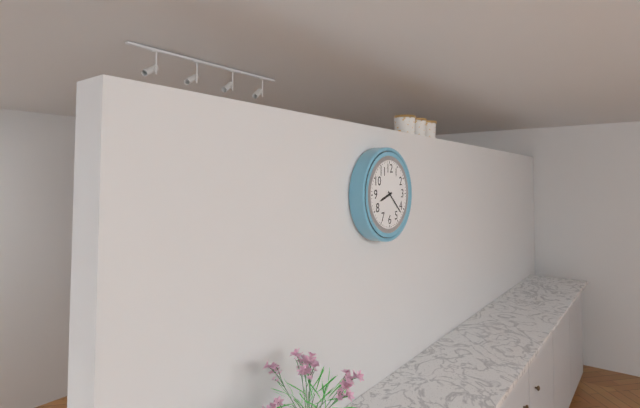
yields h=8 m=22
